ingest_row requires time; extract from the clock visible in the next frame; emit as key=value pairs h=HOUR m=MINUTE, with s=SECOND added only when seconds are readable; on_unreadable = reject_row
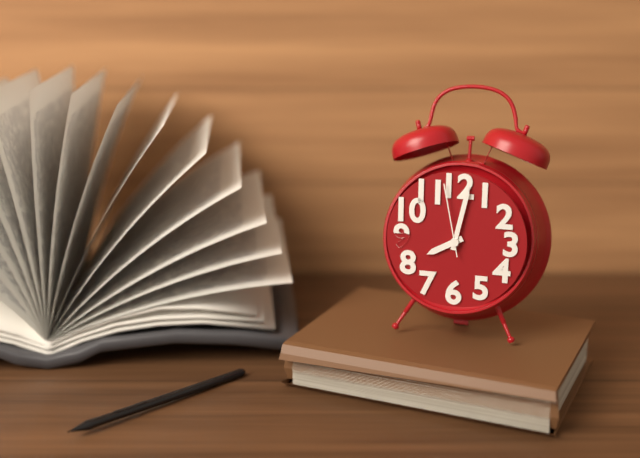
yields h=8 m=2 s=58
